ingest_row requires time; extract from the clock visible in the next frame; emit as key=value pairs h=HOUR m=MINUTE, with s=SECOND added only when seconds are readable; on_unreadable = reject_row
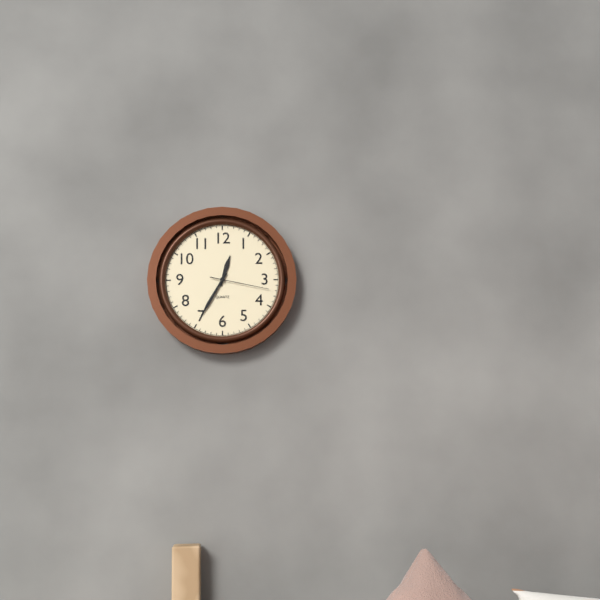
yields h=12 m=35 s=17
